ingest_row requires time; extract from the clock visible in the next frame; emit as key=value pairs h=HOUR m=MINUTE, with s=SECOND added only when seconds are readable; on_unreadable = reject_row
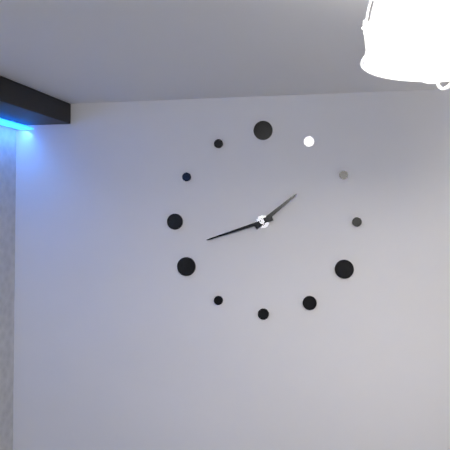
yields h=1 m=42
